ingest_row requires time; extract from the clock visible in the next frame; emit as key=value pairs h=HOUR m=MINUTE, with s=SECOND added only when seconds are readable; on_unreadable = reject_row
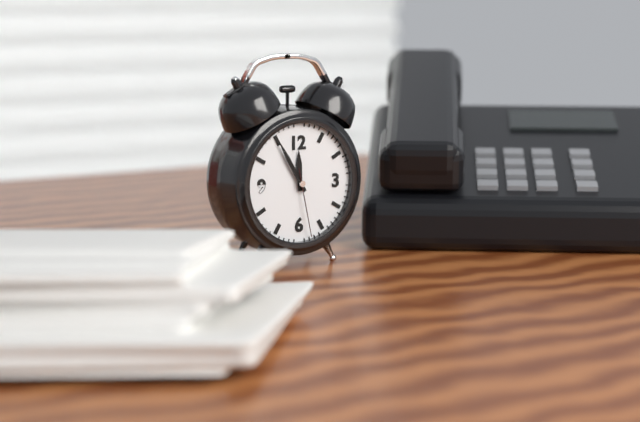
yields h=11 m=55 s=28
